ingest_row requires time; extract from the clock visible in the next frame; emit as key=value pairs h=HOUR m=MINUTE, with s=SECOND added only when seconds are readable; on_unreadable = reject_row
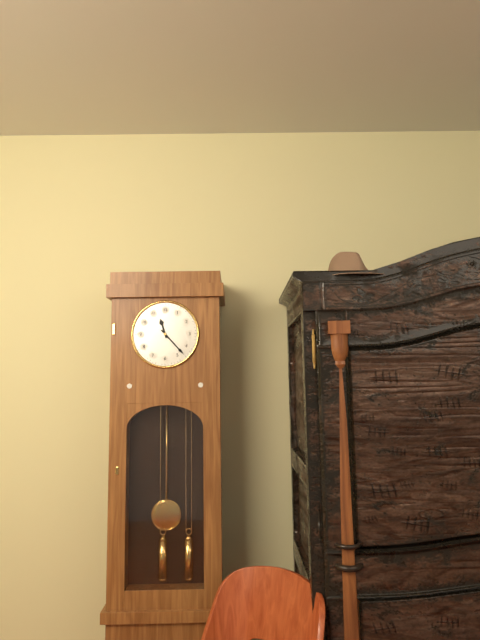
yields h=11 m=23
